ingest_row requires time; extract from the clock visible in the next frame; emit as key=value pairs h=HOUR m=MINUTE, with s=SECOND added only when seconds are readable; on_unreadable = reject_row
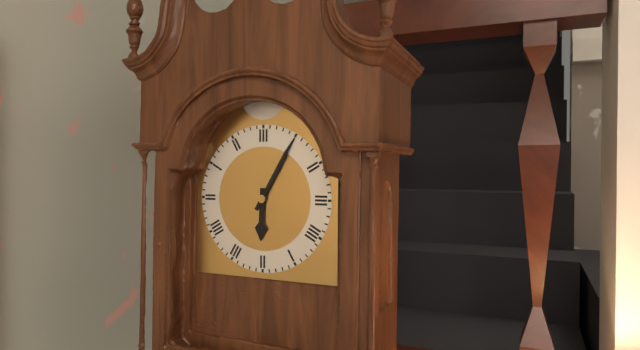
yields h=6 m=5
